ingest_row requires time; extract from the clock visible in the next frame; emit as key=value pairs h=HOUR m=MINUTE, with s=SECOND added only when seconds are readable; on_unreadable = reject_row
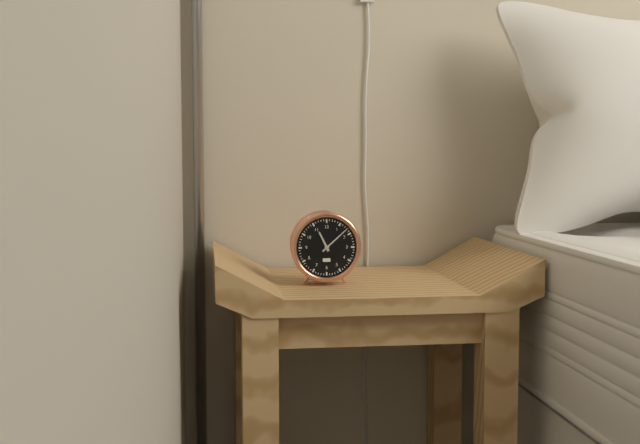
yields h=11 m=8
